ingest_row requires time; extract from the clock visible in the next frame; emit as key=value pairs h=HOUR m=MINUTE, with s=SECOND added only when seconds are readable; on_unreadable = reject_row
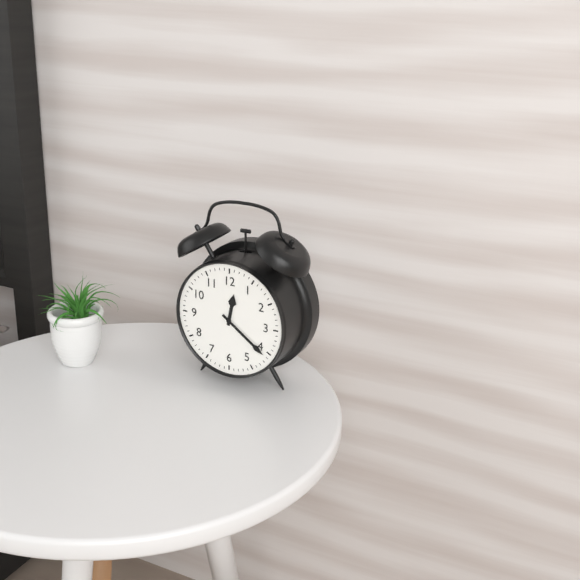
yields h=12 m=21
